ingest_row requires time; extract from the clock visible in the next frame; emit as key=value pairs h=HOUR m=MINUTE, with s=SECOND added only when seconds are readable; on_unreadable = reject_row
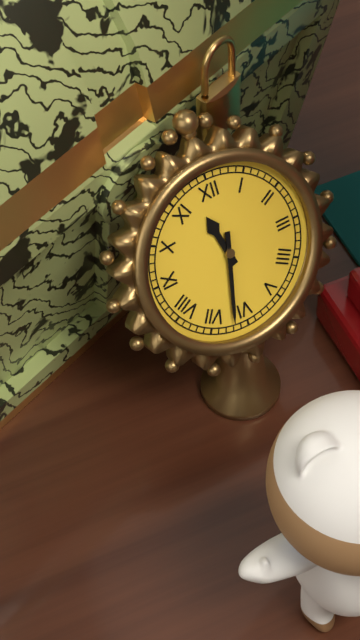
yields h=11 m=32
